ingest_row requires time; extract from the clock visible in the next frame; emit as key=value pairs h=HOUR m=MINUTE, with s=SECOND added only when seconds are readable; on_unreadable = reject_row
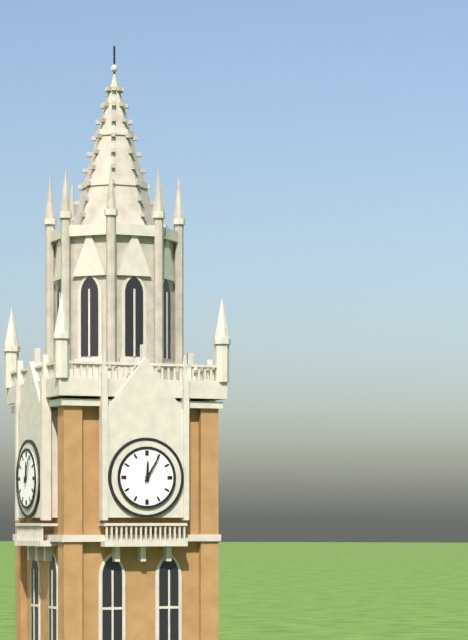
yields h=12 m=5
